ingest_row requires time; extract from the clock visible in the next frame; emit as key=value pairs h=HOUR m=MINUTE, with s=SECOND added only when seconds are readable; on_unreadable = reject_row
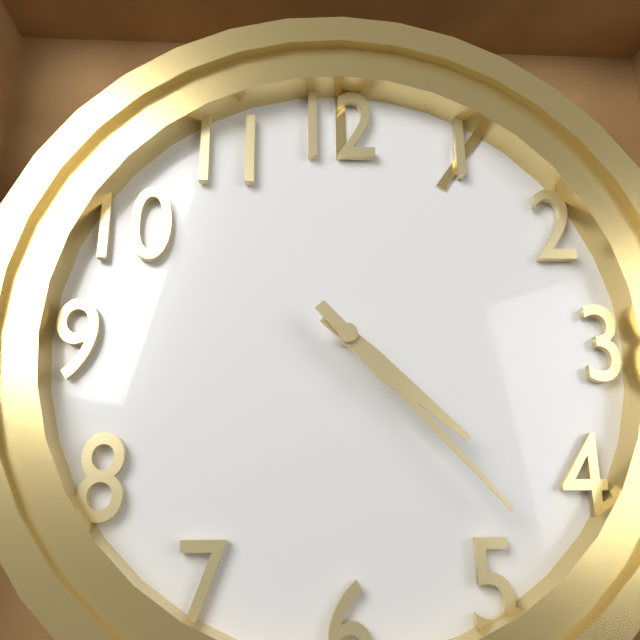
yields h=4 m=23
